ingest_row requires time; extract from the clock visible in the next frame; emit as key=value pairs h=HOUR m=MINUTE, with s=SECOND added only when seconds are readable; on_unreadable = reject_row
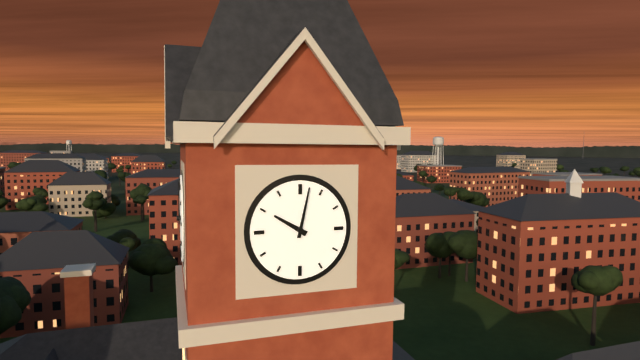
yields h=10 m=2
